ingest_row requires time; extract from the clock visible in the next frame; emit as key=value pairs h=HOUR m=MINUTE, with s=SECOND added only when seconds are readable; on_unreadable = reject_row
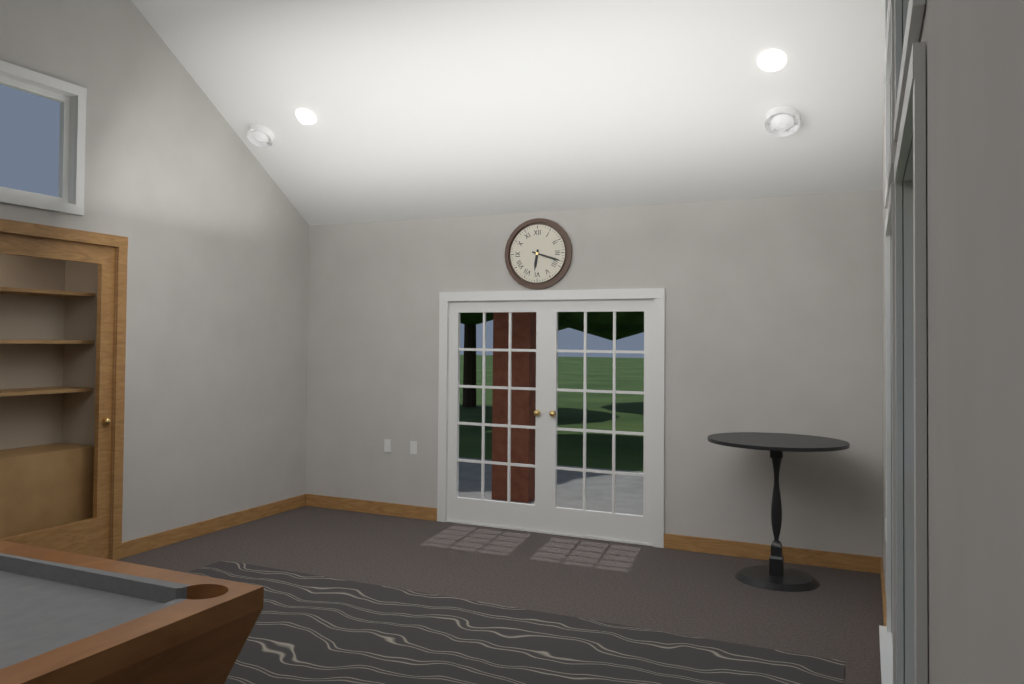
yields h=6 m=18
